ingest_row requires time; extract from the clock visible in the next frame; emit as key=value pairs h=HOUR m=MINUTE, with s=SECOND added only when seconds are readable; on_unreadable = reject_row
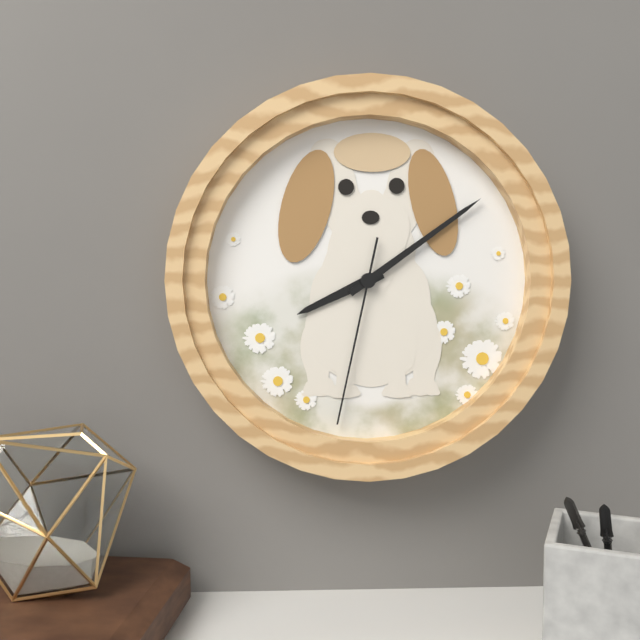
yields h=8 m=9 s=32
